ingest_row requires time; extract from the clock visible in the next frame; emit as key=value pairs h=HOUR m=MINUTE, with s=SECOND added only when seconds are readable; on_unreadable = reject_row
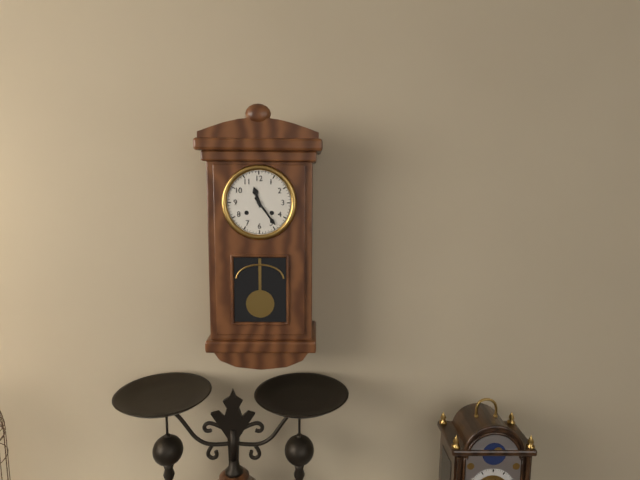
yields h=11 m=24
